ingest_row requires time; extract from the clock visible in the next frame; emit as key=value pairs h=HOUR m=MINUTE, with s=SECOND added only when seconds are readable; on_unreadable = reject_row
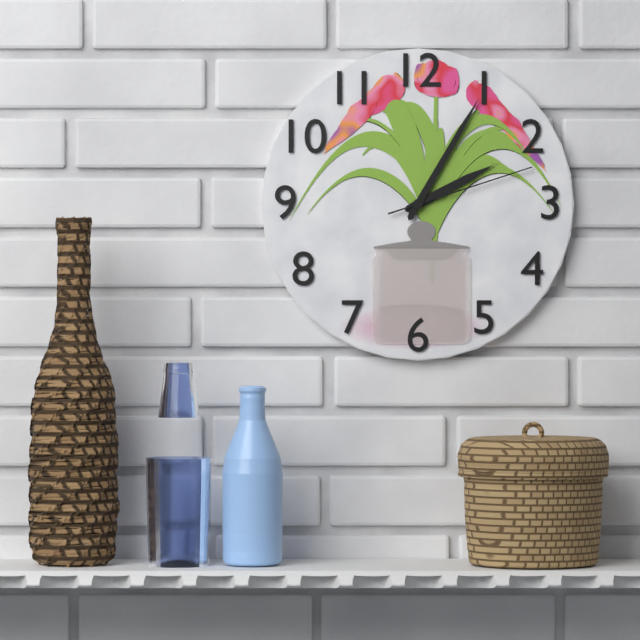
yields h=2 m=5 s=12
